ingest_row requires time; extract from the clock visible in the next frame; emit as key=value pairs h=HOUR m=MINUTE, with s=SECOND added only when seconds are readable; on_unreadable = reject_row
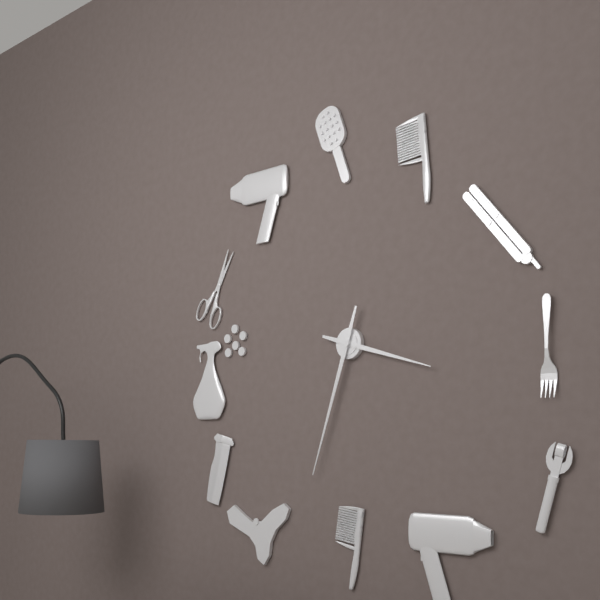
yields h=3 m=33
